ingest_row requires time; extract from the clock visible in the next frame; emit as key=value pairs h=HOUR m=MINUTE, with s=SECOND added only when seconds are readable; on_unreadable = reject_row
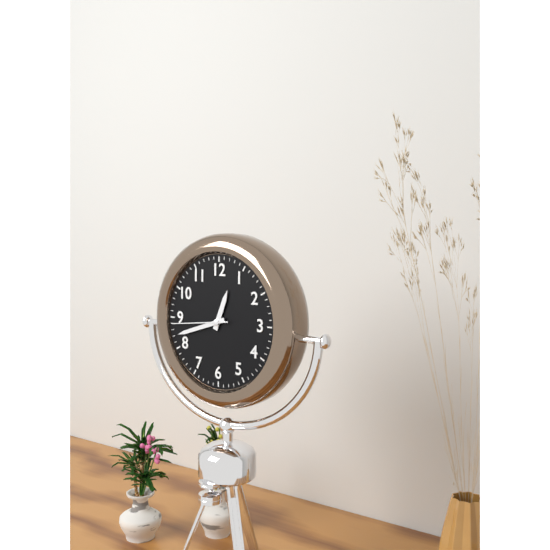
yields h=12 m=42 s=44
